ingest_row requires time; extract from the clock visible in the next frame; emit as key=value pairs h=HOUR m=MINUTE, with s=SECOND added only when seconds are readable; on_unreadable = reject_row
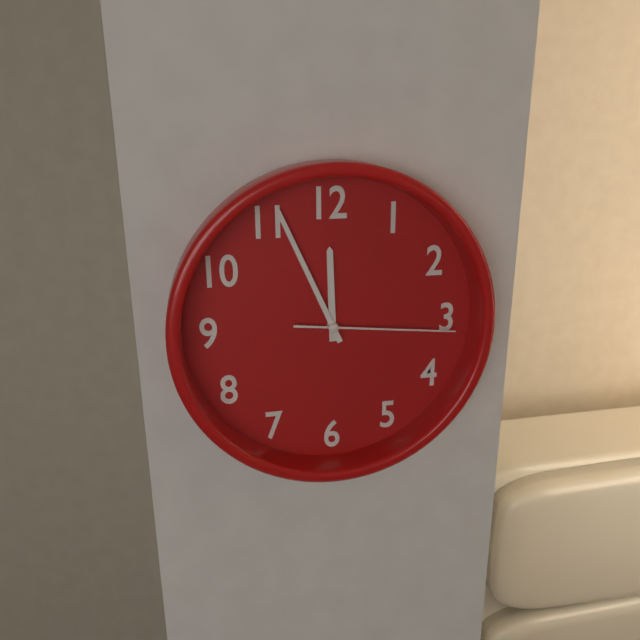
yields h=11 m=56 s=16
